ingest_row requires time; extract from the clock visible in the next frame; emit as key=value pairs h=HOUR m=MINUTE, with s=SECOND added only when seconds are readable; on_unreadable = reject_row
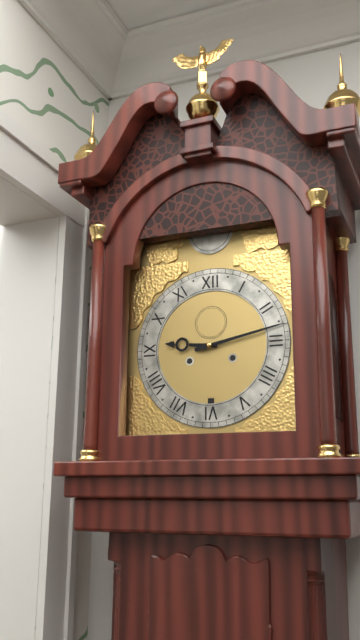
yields h=9 m=13
